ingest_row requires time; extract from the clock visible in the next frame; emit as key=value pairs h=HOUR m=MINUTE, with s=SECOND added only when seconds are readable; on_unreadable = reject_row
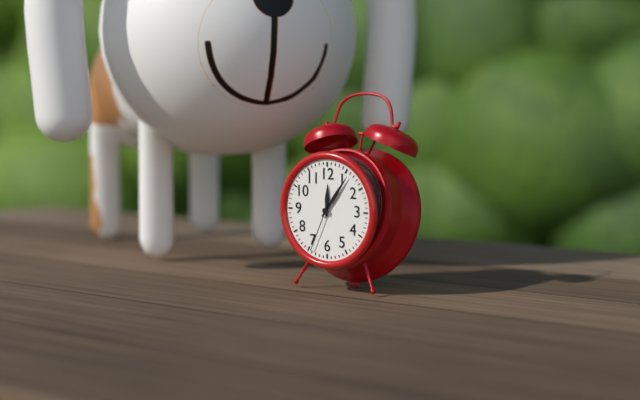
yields h=12 m=6 s=34
